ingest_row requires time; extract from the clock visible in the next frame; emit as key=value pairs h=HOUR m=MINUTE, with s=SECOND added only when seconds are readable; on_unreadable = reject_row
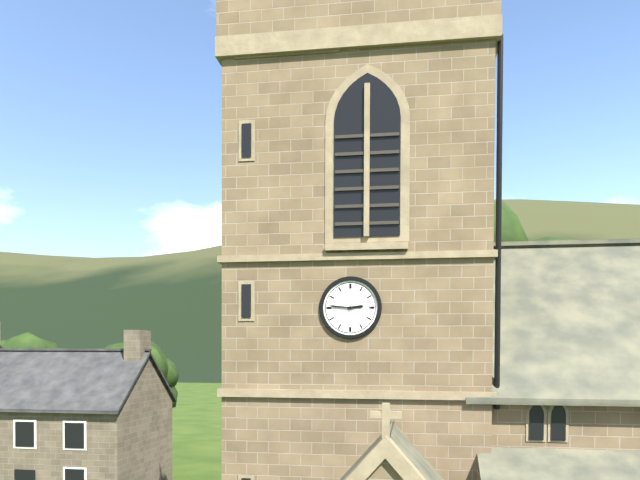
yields h=2 m=46
